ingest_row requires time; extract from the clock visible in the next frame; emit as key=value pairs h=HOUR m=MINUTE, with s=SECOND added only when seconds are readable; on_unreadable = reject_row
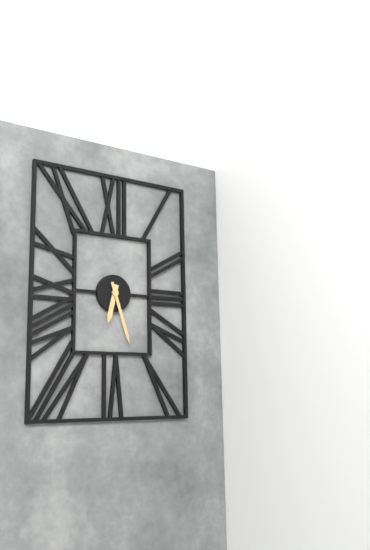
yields h=6 m=27
